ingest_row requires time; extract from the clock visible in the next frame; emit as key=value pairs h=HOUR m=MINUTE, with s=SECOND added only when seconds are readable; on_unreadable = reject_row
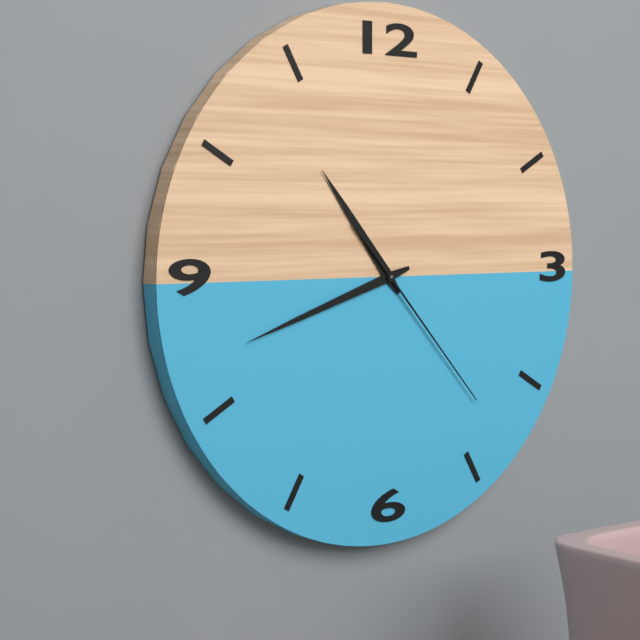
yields h=10 m=42 s=23
